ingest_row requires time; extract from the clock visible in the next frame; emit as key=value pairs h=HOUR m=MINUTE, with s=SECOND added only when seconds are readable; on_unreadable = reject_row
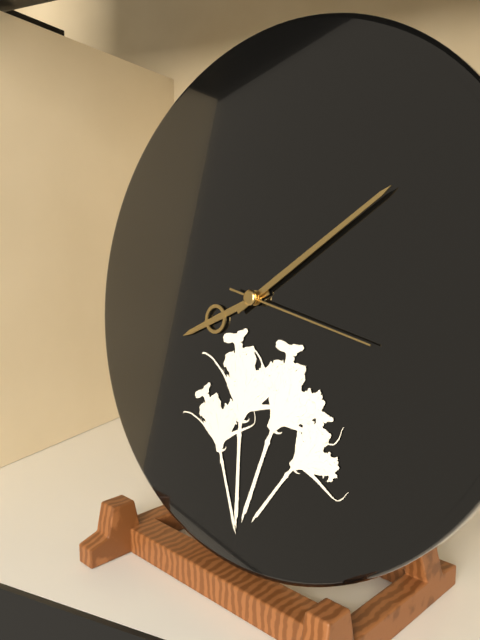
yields h=8 m=9 s=17
